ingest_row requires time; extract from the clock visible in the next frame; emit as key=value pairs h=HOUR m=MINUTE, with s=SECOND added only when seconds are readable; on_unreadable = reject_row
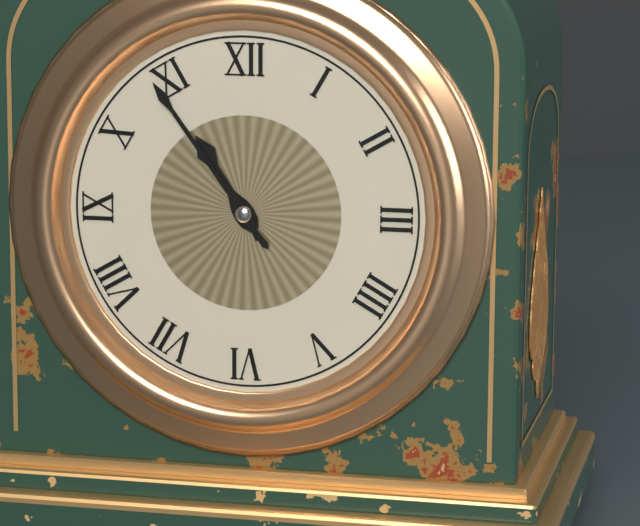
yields h=10 m=54
